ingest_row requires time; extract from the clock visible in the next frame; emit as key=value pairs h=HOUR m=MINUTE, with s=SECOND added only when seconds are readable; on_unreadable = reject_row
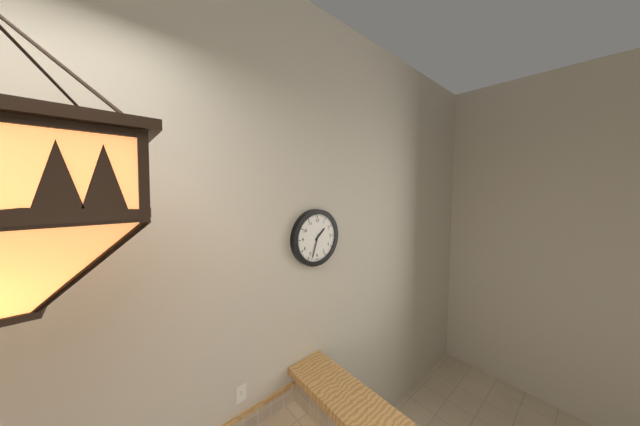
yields h=1 m=33
